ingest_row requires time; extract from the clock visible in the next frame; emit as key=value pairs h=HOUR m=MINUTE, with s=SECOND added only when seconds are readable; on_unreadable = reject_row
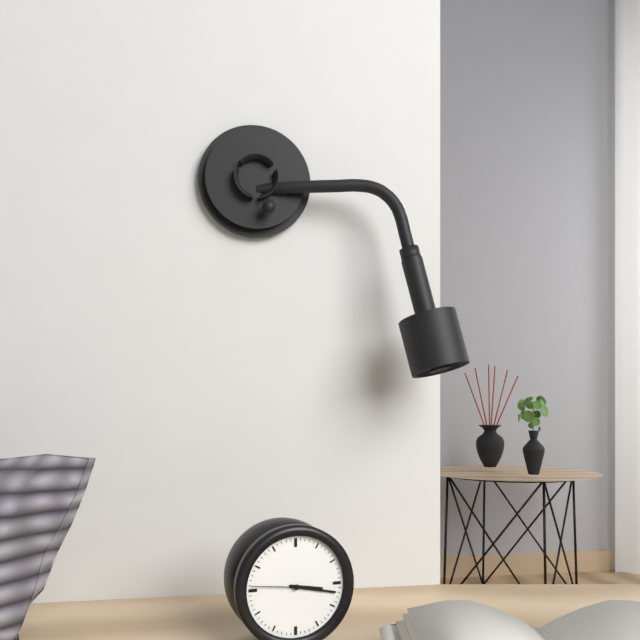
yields h=3 m=17 s=46
